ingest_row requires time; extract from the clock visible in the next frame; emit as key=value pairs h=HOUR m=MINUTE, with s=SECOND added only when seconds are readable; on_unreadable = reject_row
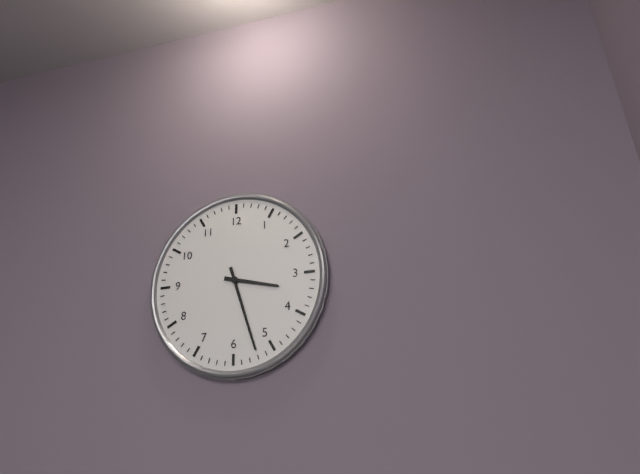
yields h=3 m=27
